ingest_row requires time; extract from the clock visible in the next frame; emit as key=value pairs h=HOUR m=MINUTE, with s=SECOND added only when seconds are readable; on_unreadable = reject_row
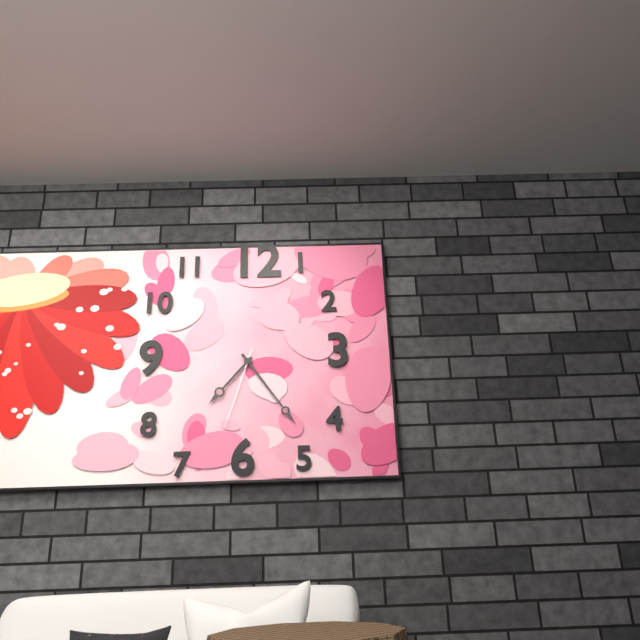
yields h=7 m=24 s=33
